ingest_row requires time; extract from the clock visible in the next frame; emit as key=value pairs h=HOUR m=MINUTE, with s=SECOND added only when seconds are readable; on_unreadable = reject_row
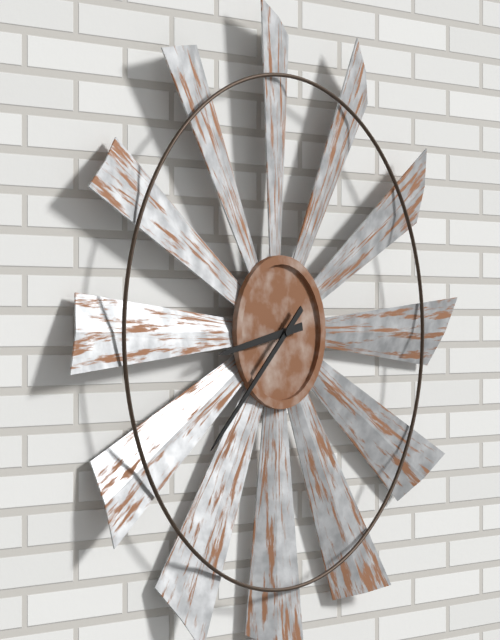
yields h=8 m=38
